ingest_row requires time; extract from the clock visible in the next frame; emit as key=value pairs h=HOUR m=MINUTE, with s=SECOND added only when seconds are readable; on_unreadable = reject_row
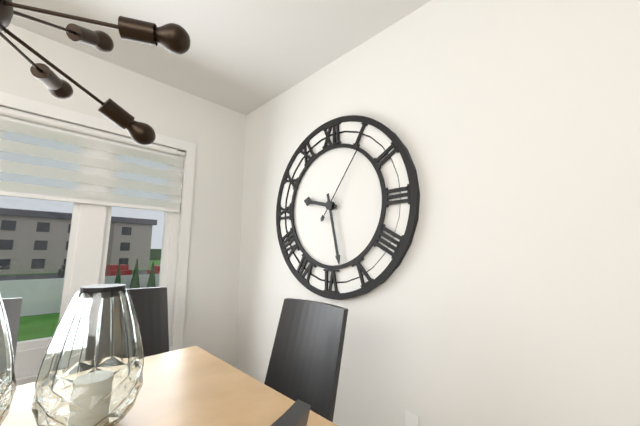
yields h=9 m=28 s=6
